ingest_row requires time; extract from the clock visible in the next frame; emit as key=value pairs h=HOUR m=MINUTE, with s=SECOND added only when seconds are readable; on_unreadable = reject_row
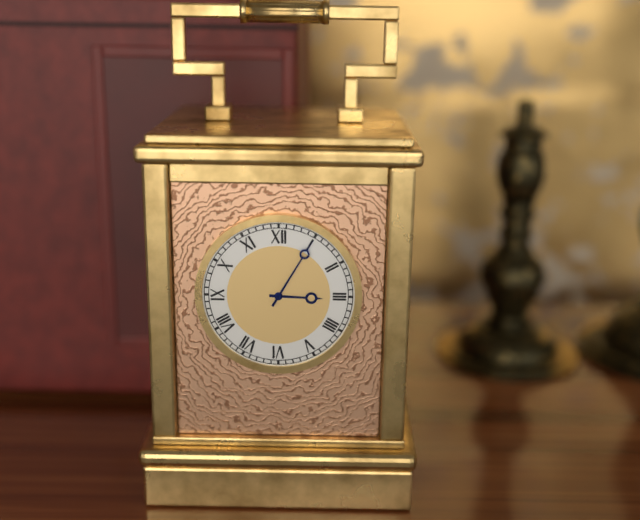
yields h=3 m=5
